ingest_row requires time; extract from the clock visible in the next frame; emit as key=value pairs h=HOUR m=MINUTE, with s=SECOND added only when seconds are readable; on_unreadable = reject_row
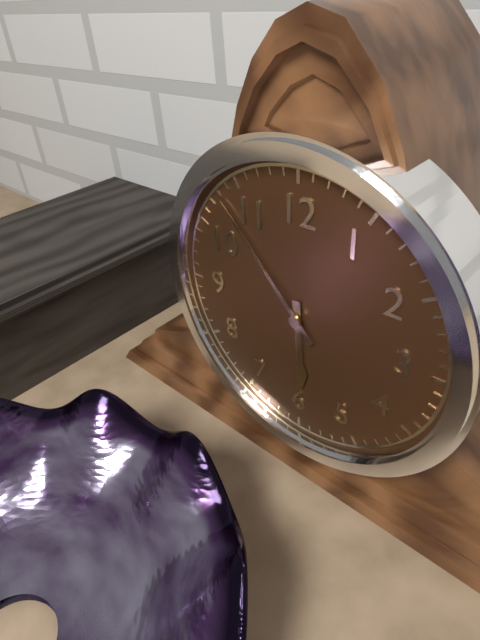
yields h=5 m=53
